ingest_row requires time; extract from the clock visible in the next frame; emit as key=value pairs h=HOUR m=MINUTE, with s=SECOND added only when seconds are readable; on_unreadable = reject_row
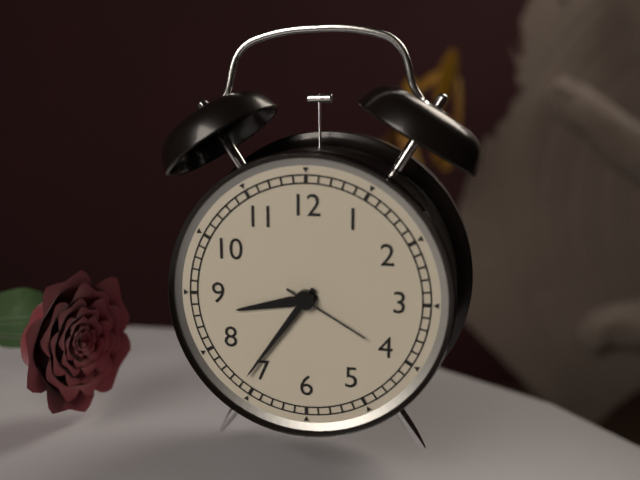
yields h=8 m=36 s=20
